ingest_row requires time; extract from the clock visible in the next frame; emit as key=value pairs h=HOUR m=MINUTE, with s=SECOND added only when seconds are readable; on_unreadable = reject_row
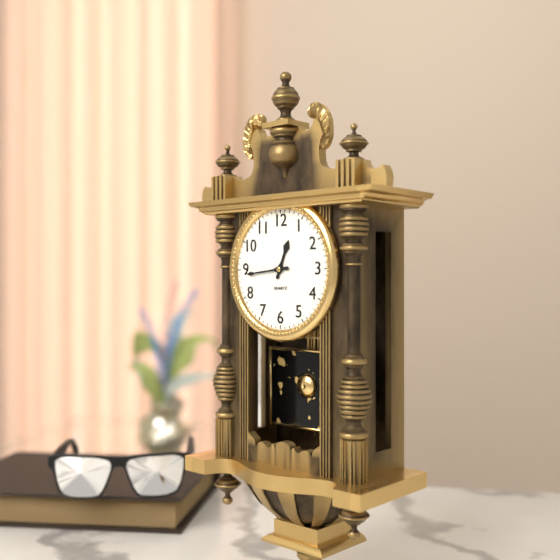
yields h=12 m=44
